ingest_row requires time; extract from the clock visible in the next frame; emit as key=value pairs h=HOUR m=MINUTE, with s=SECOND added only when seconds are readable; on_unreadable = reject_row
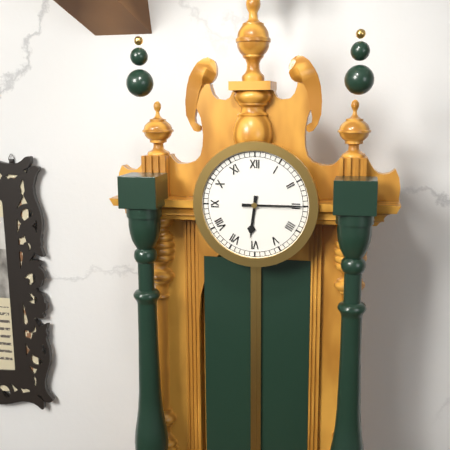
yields h=6 m=15
